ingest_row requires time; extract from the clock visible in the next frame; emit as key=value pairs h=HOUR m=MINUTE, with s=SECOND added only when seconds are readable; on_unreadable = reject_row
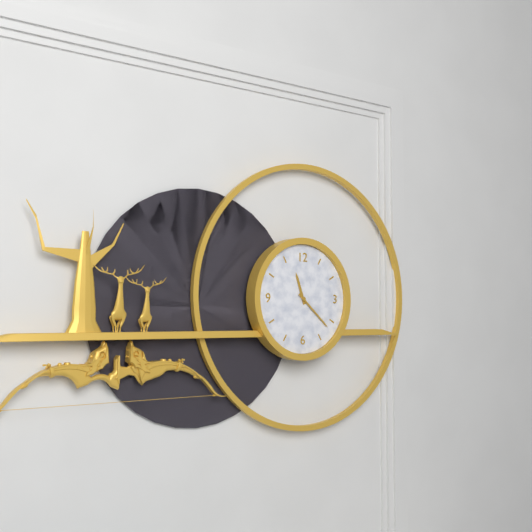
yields h=11 m=22
